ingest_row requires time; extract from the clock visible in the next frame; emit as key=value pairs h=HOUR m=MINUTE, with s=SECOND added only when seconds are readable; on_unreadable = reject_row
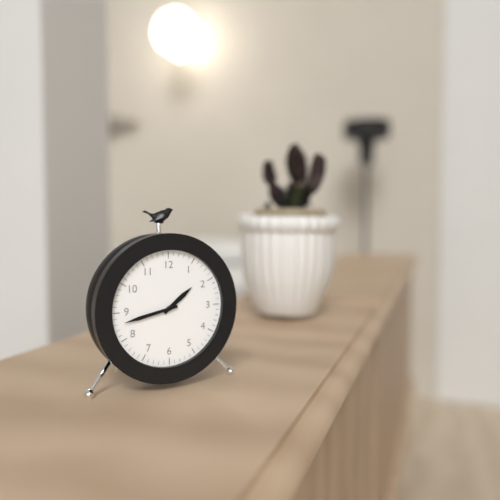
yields h=1 m=43
